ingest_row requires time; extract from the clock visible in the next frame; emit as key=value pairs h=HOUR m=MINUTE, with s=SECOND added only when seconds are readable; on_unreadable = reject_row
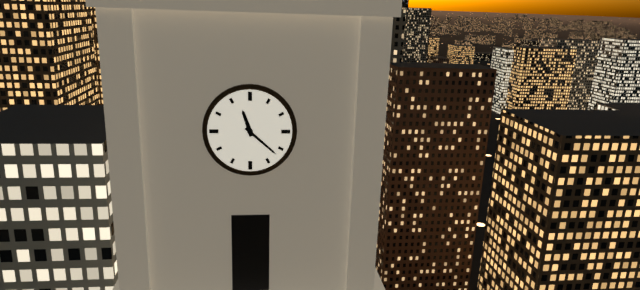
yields h=11 m=22
